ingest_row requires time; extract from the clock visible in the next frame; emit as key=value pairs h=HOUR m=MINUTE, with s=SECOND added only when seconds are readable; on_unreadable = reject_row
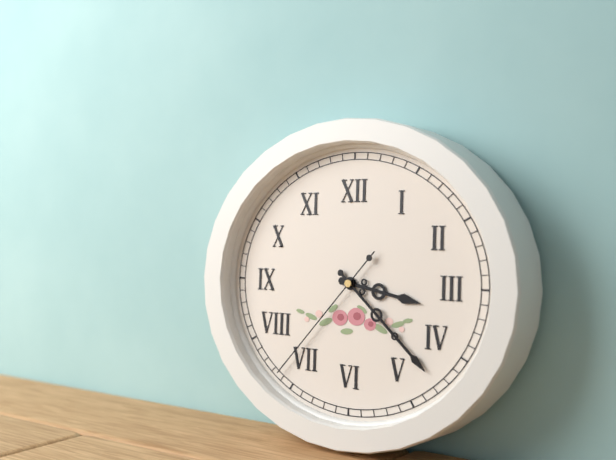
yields h=3 m=22 s=37
